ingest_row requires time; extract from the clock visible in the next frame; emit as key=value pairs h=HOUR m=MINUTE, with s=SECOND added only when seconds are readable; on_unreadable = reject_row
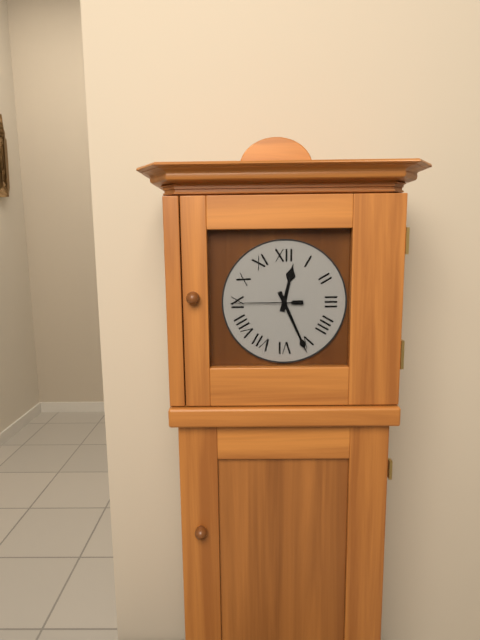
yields h=12 m=26 s=45
